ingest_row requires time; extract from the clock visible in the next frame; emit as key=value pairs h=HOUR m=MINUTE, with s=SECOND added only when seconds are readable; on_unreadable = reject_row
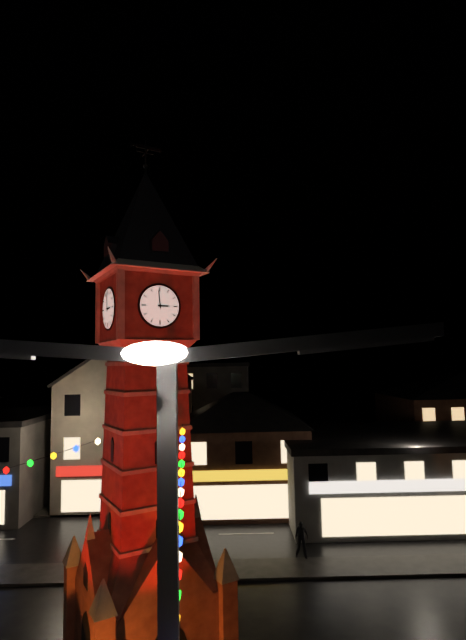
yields h=2 m=59
